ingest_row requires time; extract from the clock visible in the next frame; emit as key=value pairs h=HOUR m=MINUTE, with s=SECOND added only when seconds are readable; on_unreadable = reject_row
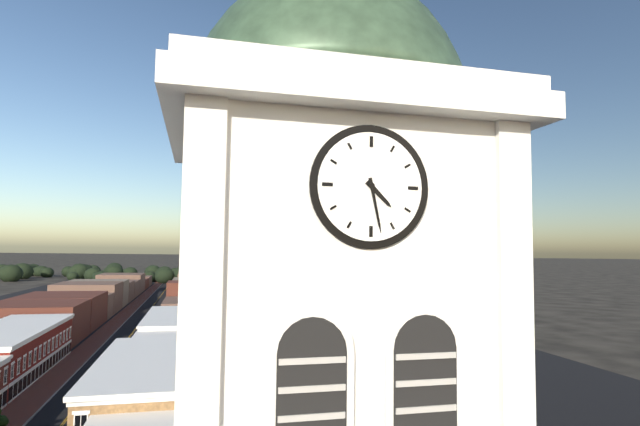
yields h=4 m=28
